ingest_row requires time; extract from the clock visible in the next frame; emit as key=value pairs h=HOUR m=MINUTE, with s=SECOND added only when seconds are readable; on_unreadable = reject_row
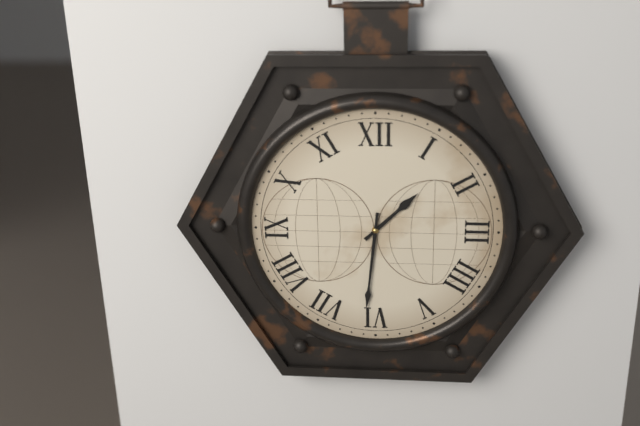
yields h=1 m=31
